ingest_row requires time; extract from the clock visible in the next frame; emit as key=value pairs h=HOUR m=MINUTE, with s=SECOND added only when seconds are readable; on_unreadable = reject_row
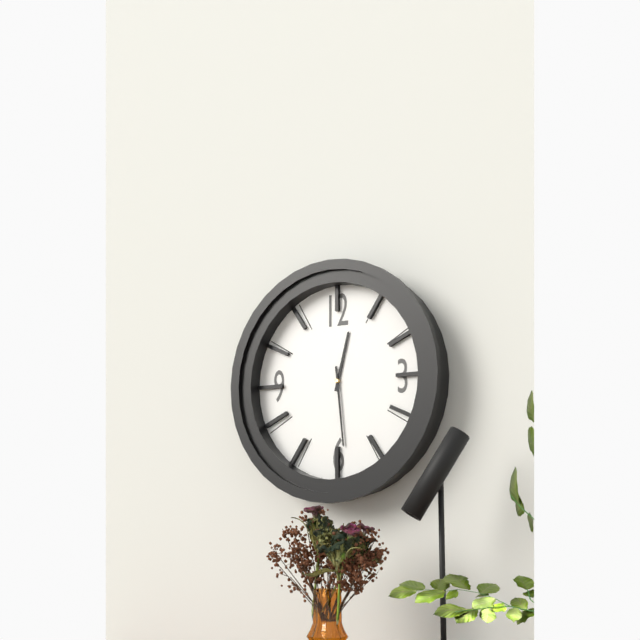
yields h=12 m=29
